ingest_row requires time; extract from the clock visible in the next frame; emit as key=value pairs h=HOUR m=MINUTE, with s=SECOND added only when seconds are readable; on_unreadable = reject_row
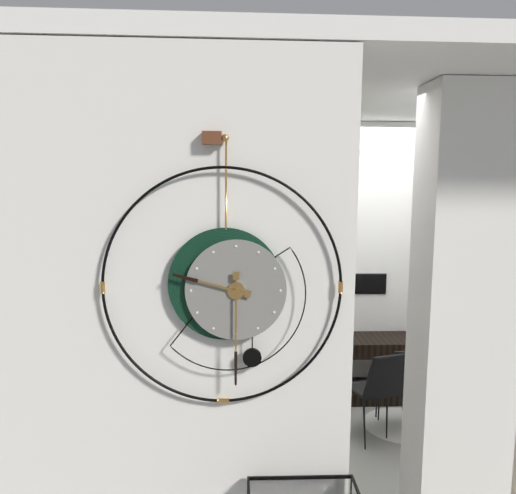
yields h=9 m=30
